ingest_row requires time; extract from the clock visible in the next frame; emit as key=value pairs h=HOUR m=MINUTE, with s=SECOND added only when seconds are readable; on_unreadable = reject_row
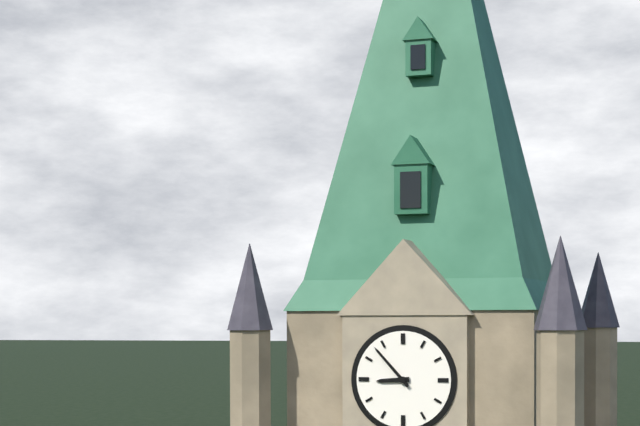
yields h=8 m=53
